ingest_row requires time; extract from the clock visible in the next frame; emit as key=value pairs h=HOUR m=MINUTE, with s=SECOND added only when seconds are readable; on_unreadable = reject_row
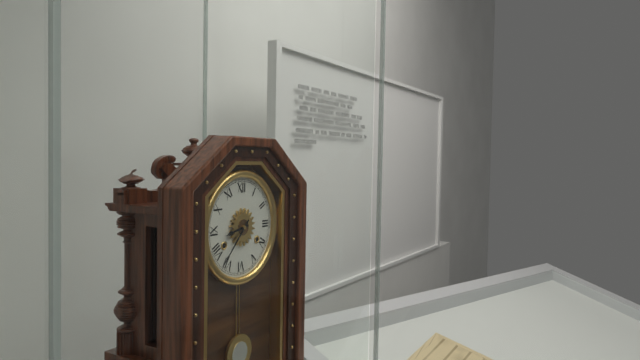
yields h=8 m=37
